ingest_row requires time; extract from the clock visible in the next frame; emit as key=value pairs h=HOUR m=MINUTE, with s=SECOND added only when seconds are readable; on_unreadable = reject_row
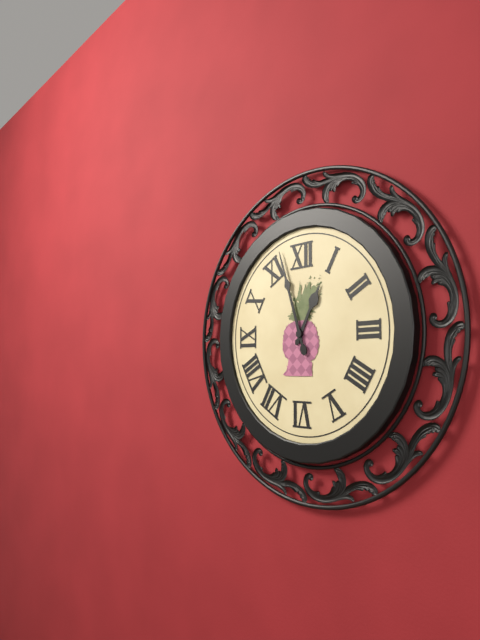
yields h=12 m=57
